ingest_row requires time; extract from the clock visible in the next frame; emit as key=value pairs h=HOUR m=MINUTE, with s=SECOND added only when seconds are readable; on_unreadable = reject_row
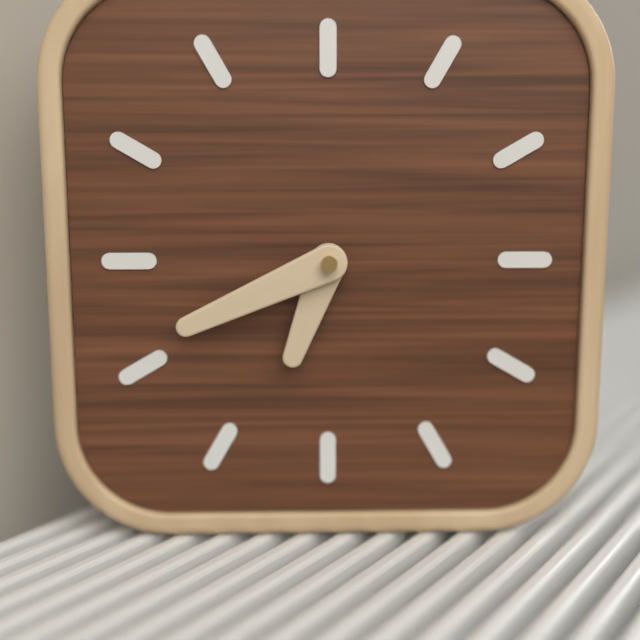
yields h=6 m=41
